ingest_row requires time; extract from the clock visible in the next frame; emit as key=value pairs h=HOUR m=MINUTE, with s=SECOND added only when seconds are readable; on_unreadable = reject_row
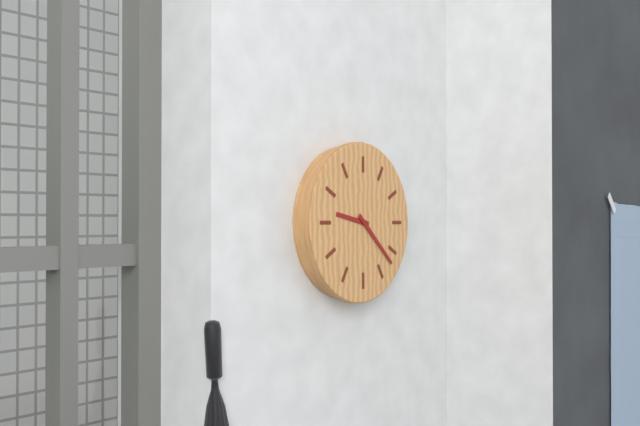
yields h=9 m=22
